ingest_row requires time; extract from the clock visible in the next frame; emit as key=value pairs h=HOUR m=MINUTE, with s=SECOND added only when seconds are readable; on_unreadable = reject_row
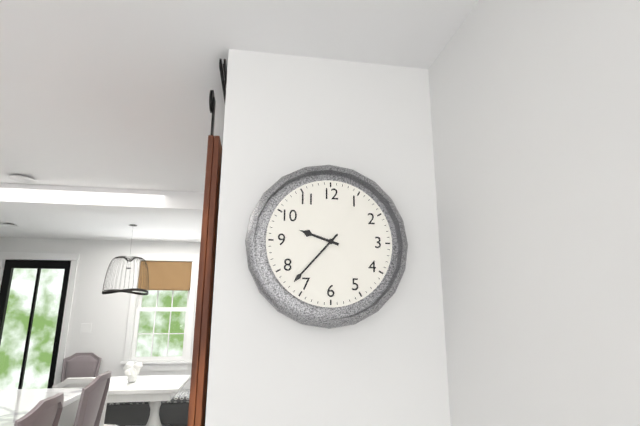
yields h=9 m=37
